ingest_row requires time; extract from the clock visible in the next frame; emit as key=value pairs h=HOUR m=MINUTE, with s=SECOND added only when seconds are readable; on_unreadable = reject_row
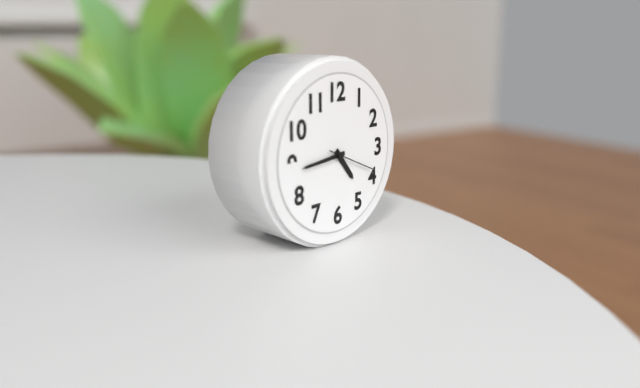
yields h=4 m=44
